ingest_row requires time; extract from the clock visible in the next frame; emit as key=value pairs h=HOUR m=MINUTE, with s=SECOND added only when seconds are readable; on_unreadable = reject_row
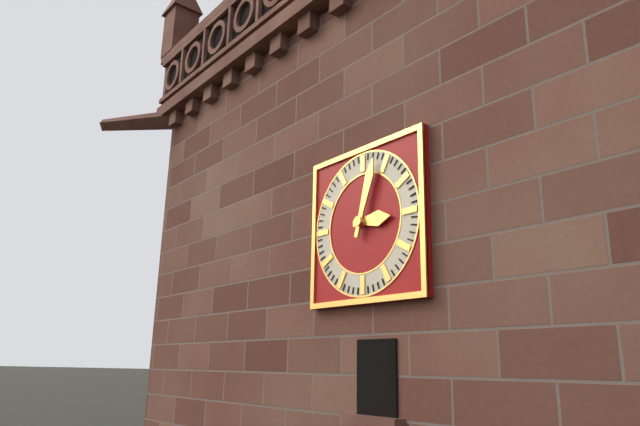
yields h=3 m=3
